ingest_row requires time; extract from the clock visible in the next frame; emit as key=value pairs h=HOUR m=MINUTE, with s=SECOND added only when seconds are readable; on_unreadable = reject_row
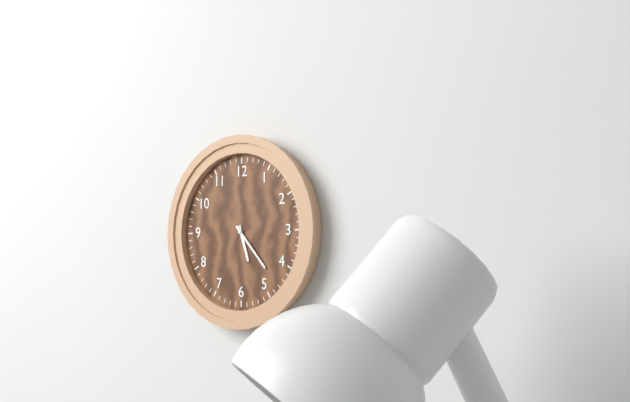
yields h=5 m=23
